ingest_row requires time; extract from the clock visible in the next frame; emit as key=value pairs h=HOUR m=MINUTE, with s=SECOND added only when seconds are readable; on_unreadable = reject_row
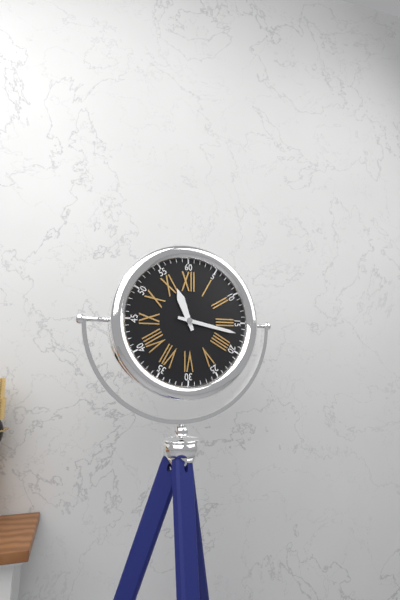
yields h=11 m=17
